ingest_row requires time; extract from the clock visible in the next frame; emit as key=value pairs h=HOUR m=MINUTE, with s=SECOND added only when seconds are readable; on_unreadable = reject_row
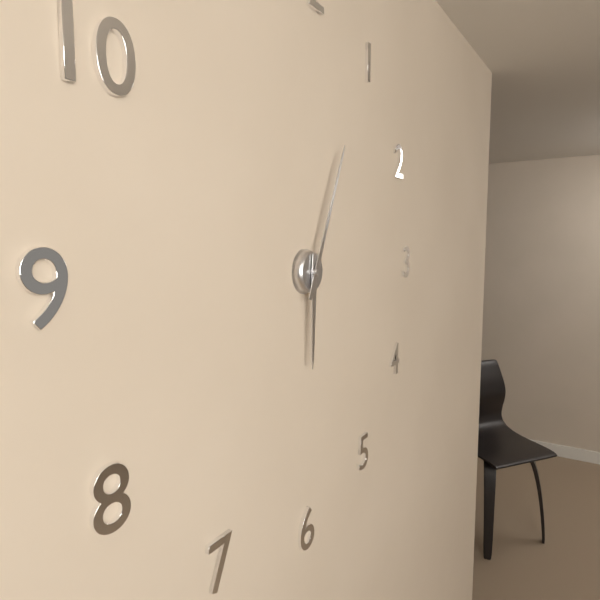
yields h=6 m=4
